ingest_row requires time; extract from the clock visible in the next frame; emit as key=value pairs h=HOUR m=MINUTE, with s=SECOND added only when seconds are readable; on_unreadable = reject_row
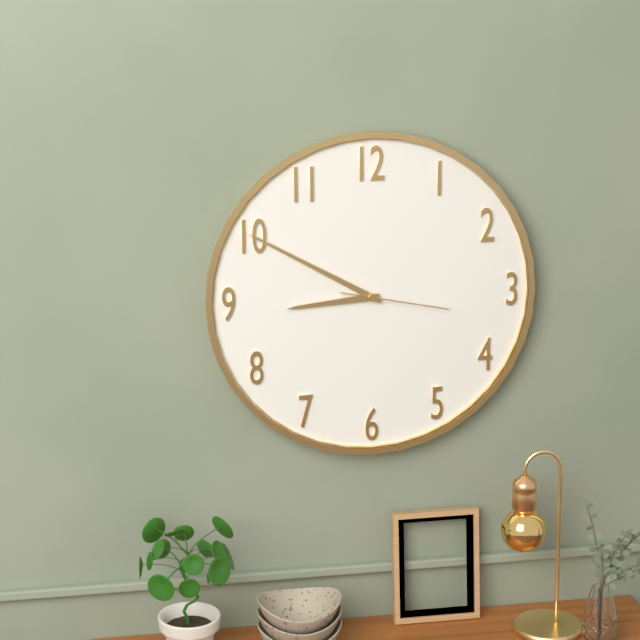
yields h=8 m=50 s=17
